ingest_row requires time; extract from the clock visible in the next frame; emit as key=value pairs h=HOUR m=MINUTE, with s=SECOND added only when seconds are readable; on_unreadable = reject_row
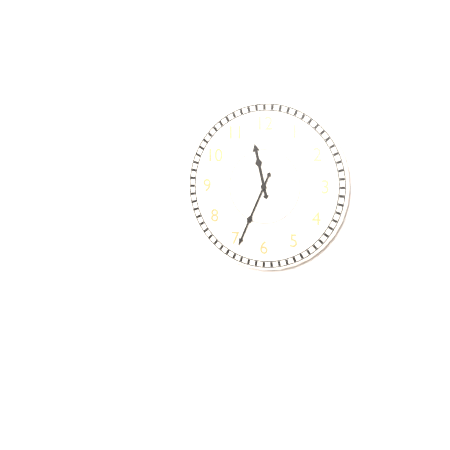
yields h=11 m=34
